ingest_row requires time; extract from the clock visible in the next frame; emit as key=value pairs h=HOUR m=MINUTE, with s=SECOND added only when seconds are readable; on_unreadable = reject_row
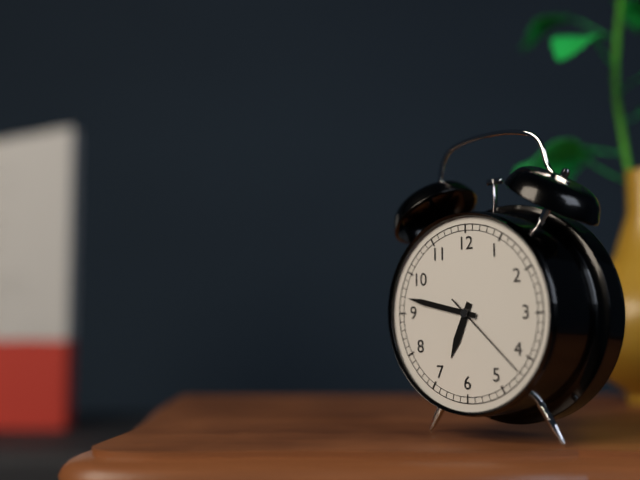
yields h=6 m=47 s=22
